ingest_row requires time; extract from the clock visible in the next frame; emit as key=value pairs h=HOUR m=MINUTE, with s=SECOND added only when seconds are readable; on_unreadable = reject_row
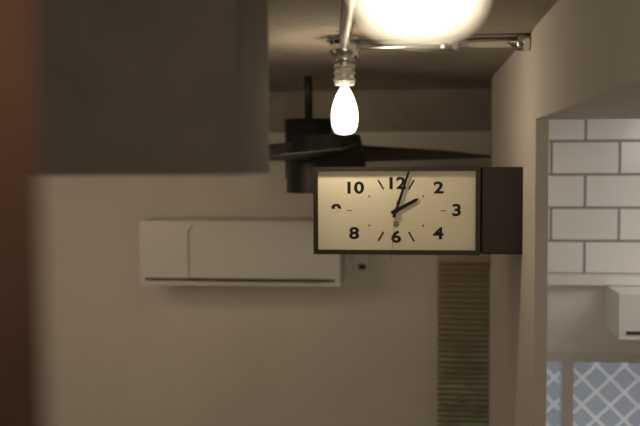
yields h=2 m=3 s=31
